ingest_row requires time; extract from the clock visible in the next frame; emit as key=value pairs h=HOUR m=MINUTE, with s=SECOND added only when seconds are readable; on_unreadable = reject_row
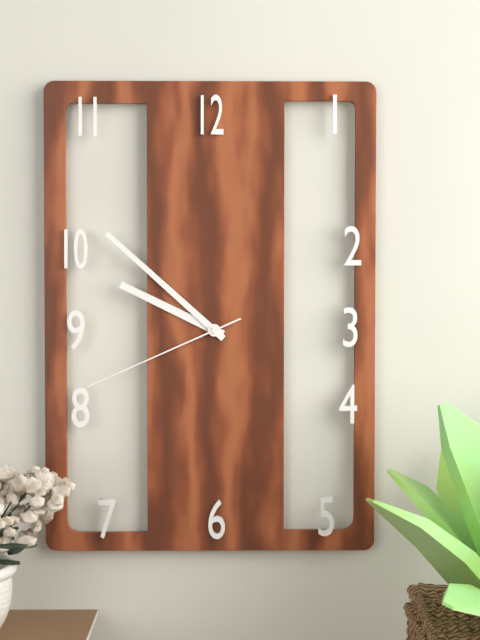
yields h=9 m=52 s=41
